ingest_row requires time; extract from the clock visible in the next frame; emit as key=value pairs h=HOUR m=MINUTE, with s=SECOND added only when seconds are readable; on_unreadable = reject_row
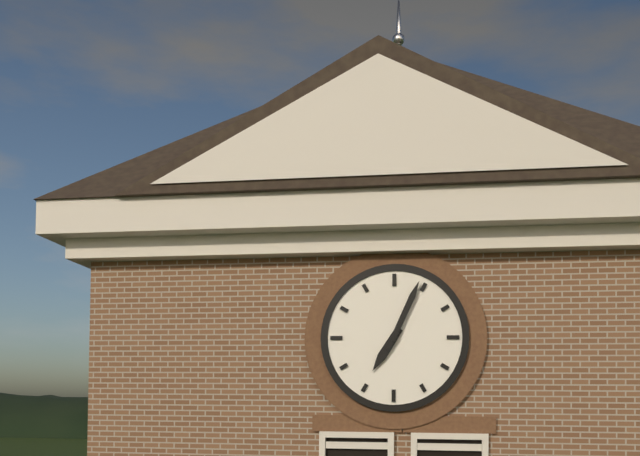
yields h=7 m=4
